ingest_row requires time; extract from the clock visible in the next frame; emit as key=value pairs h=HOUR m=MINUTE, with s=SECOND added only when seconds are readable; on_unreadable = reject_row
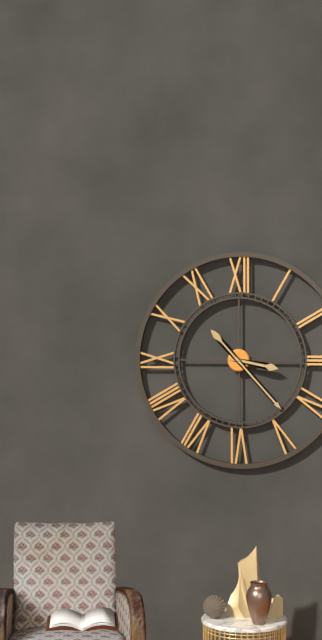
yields h=3 m=23
